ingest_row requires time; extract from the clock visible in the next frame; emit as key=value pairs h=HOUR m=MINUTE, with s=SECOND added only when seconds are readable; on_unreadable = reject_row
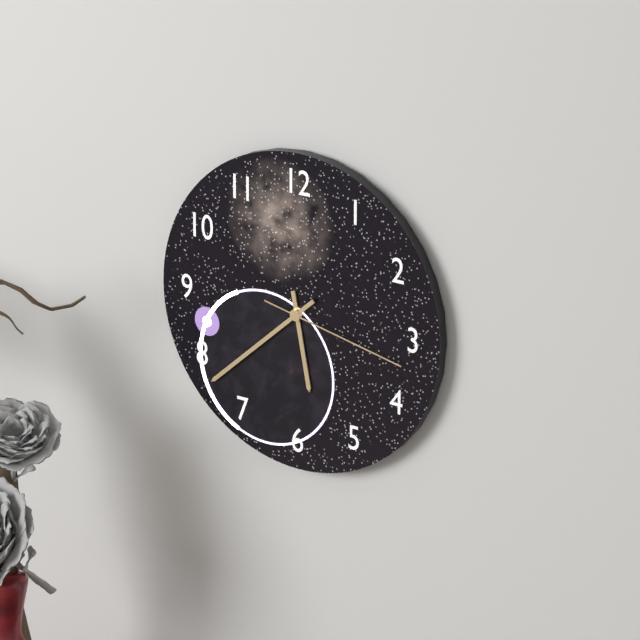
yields h=5 m=38 s=17
